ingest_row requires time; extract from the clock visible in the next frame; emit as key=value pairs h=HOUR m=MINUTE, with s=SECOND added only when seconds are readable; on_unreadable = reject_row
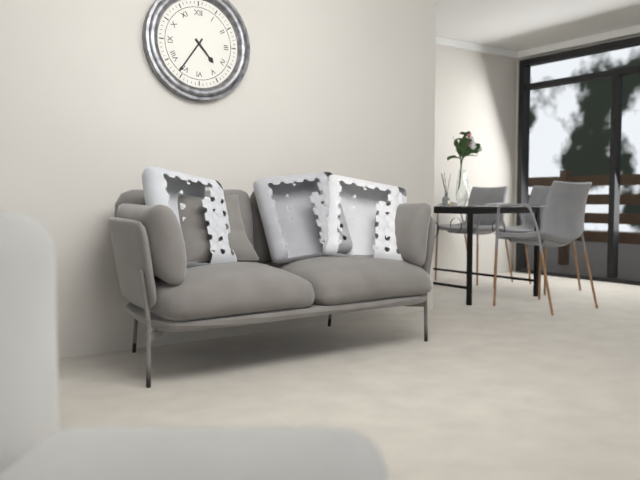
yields h=4 m=36
